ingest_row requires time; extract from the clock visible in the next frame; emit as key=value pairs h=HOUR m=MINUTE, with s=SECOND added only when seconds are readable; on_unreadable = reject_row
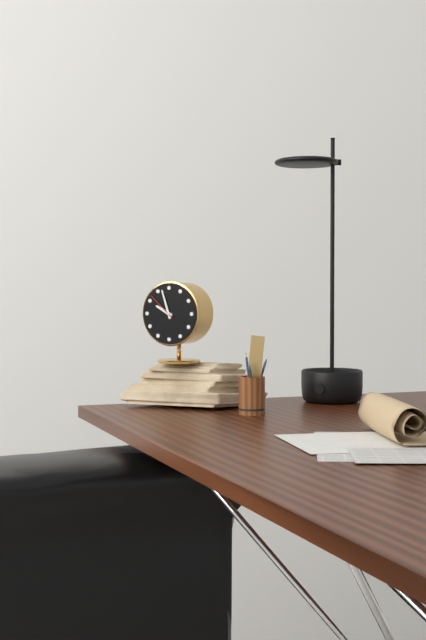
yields h=9 m=57
